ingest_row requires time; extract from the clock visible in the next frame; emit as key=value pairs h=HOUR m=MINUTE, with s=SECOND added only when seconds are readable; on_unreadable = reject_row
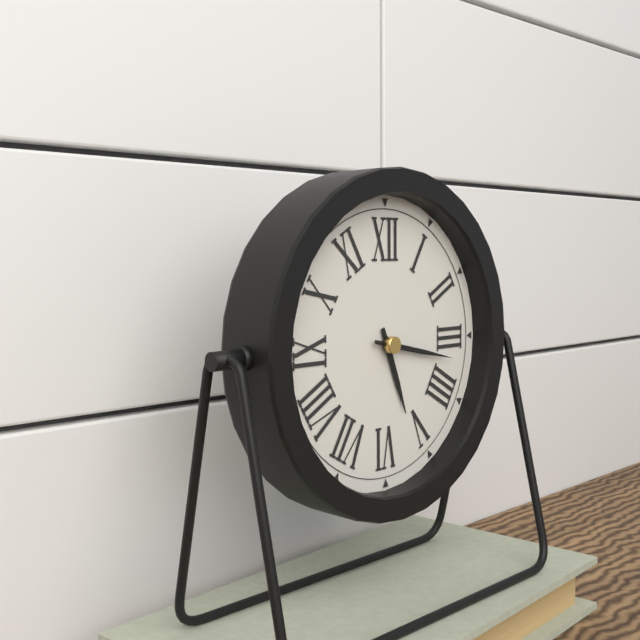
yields h=5 m=17
